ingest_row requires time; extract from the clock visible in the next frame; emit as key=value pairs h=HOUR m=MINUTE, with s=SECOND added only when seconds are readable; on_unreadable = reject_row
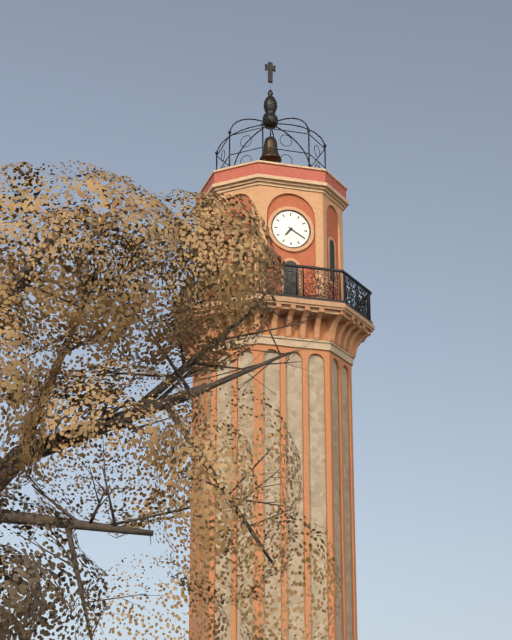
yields h=7 m=20
